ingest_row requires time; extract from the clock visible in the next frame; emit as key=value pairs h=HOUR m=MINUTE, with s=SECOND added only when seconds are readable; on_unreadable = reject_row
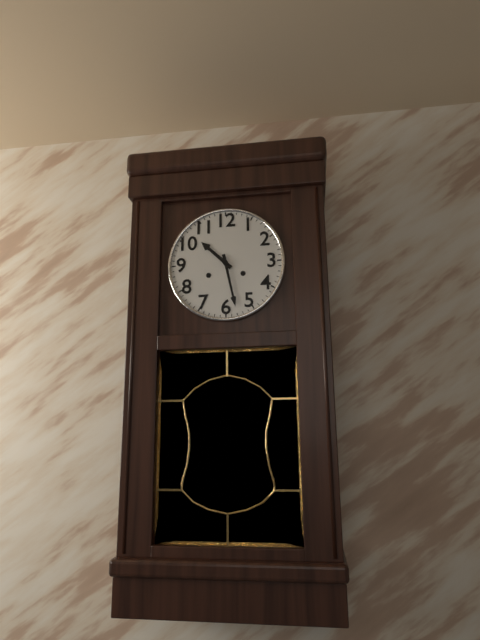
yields h=10 m=28
